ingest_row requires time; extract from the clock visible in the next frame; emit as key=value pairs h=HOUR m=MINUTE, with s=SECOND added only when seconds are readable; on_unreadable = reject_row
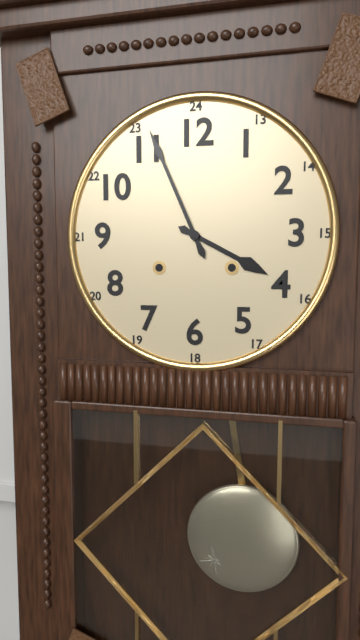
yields h=3 m=56
